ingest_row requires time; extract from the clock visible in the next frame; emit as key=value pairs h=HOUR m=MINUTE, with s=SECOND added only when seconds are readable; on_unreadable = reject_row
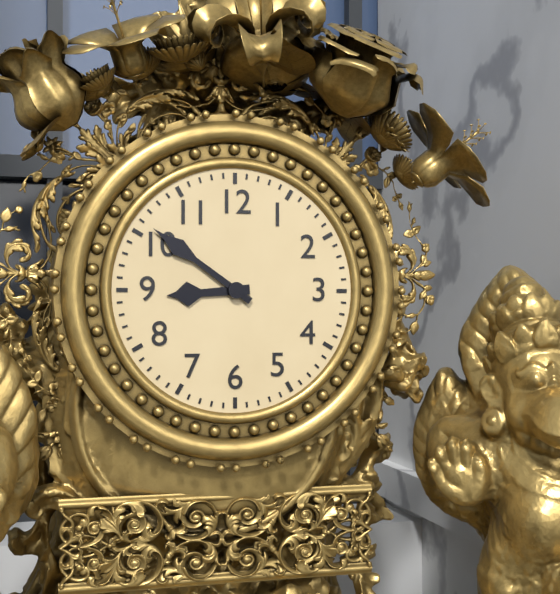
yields h=8 m=51
